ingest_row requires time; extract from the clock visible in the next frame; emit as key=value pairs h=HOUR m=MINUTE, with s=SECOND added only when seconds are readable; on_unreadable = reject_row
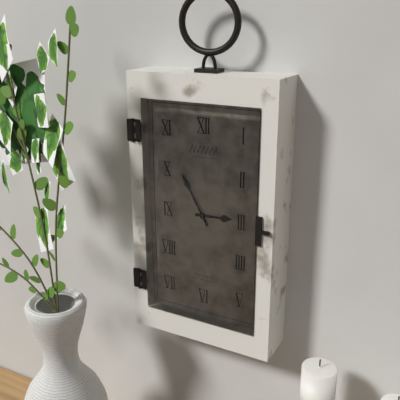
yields h=2 m=55
